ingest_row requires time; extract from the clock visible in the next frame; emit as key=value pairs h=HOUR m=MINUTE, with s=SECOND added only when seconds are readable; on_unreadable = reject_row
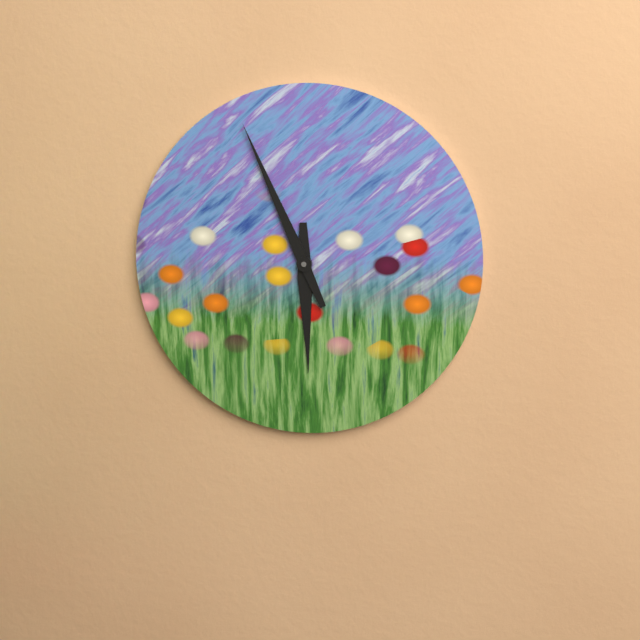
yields h=5 m=56
